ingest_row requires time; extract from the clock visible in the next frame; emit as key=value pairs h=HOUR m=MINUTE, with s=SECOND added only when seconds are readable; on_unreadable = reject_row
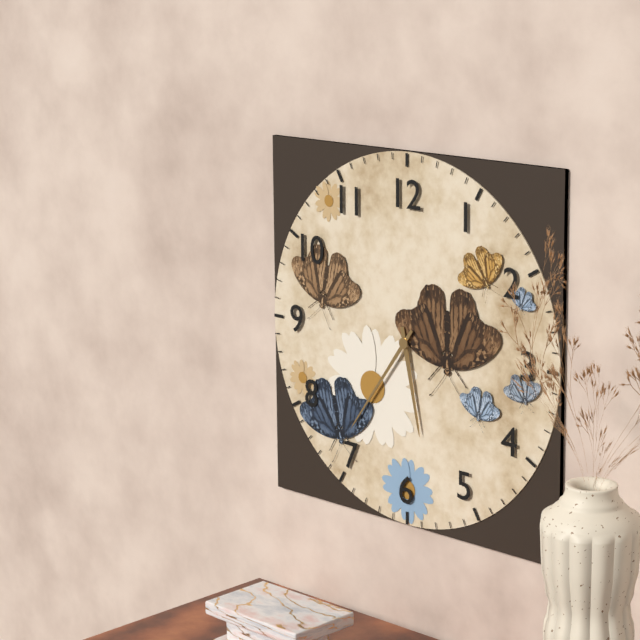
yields h=5 m=36
